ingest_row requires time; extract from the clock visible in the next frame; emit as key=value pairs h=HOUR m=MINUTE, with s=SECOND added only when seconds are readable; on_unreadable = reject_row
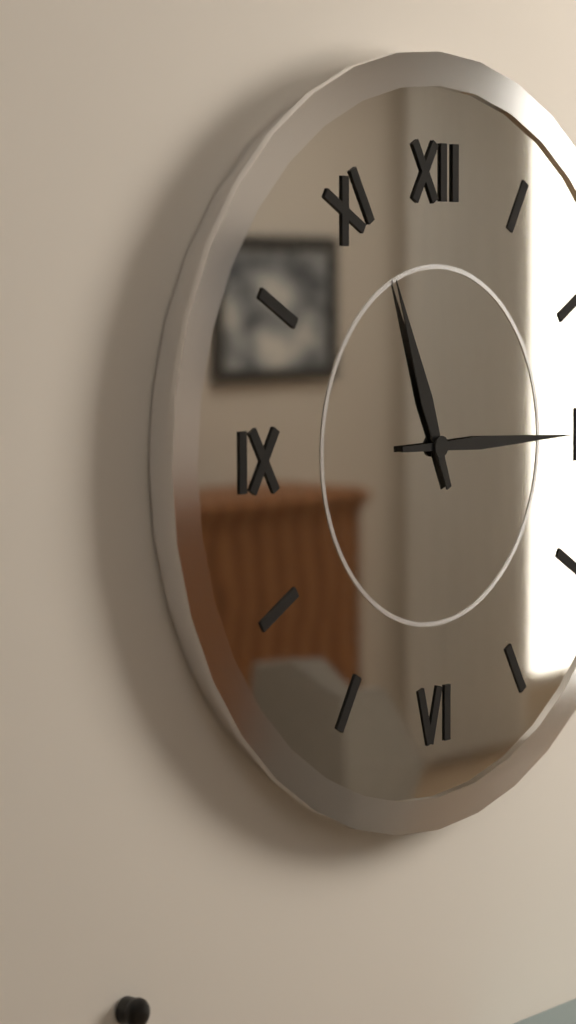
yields h=11 m=15
